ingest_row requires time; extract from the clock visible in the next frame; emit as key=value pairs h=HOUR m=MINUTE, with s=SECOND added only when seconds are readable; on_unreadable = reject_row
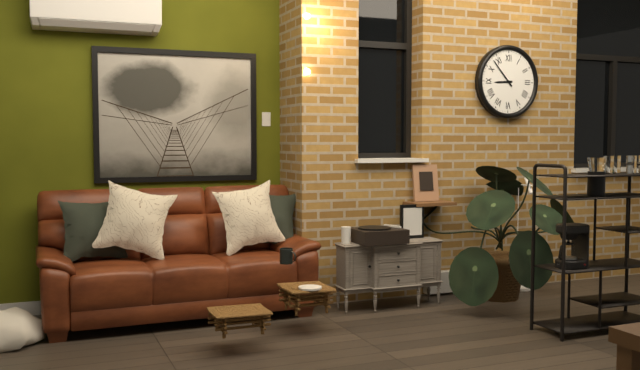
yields h=8 m=53
